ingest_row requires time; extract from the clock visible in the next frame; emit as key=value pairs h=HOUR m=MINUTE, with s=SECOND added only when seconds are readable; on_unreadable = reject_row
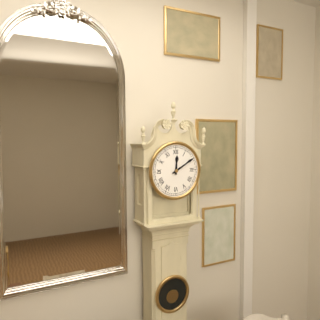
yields h=12 m=10
